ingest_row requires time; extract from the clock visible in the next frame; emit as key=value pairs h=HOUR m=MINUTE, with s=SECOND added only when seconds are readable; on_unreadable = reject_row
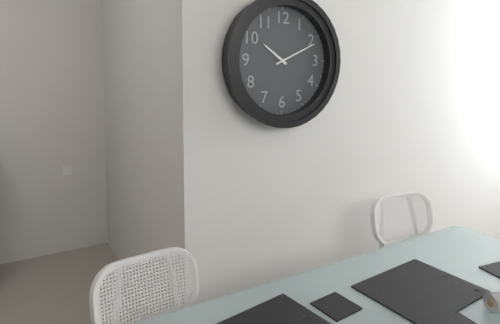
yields h=10 m=11
